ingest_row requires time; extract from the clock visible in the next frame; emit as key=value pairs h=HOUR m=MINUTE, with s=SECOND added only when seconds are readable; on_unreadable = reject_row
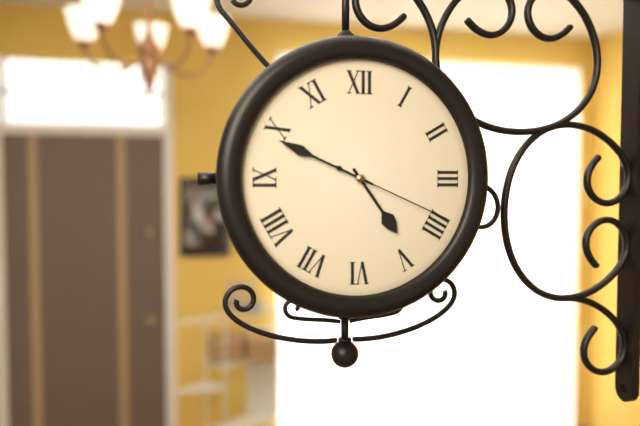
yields h=4 m=49 s=19
